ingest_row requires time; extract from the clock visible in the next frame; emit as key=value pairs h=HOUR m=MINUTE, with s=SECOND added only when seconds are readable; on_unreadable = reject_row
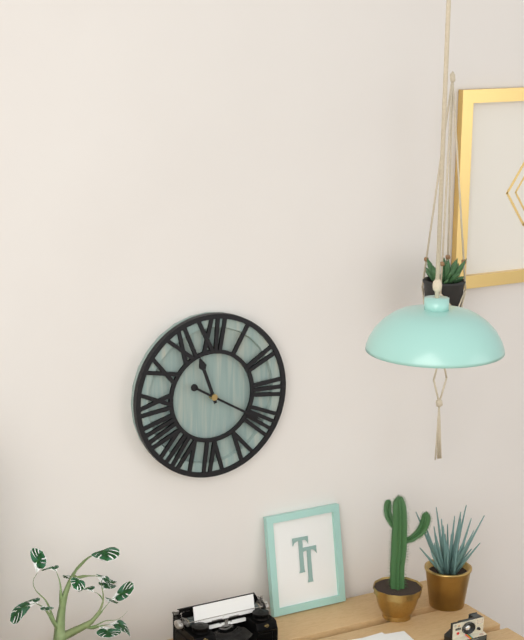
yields h=11 m=20
